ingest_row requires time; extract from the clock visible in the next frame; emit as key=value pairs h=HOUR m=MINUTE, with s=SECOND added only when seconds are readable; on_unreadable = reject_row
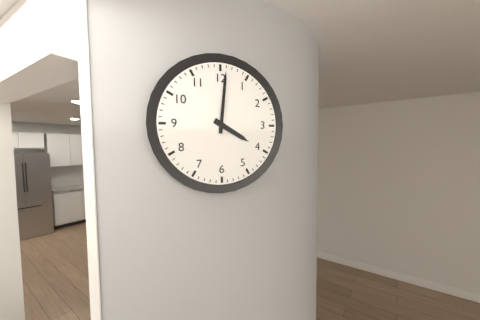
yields h=4 m=1
